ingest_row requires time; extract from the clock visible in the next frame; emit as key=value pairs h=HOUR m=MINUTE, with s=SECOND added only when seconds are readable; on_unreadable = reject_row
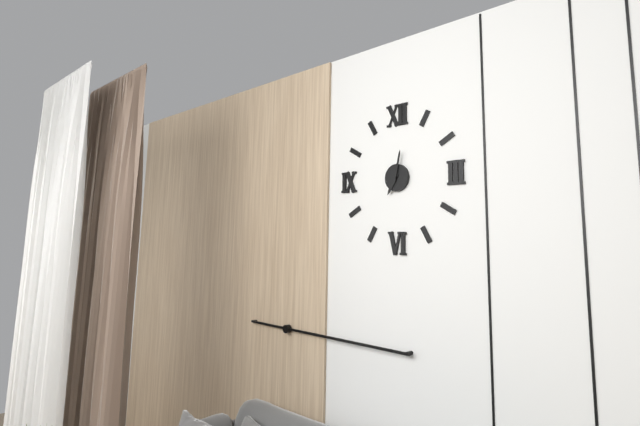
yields h=7 m=2
